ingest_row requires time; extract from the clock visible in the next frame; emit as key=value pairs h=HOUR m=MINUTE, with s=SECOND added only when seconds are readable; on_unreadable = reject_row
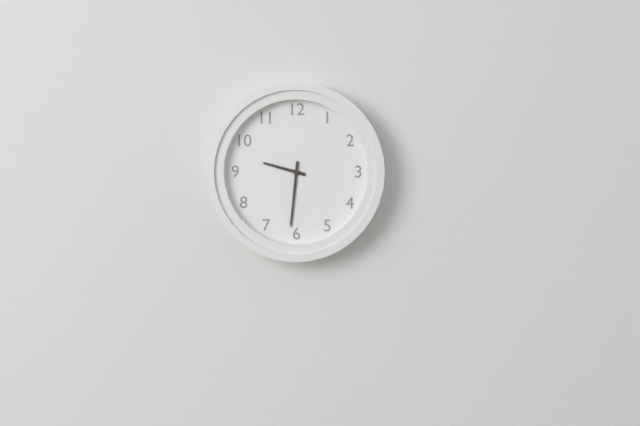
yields h=9 m=31
